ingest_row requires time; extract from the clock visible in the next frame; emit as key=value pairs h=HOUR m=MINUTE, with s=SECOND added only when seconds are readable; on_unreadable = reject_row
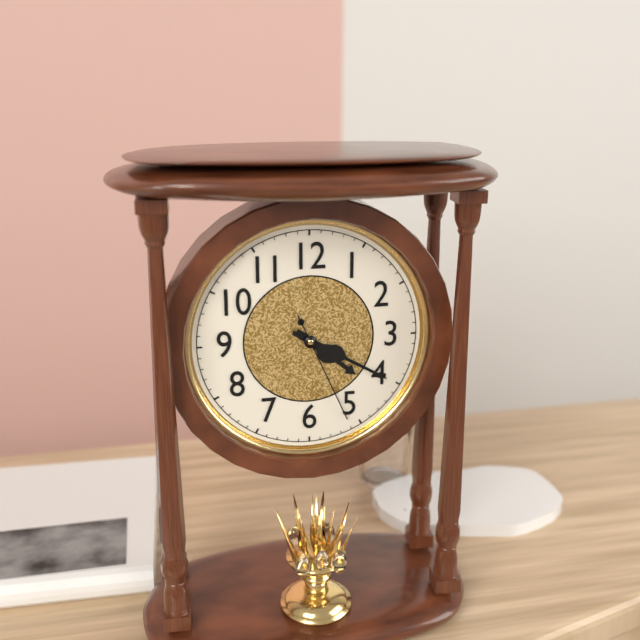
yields h=4 m=20 s=26
